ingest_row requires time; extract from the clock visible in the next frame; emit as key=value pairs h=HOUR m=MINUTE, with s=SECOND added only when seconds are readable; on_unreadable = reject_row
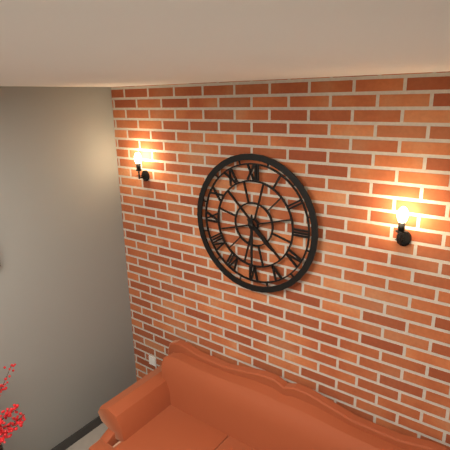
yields h=4 m=30
